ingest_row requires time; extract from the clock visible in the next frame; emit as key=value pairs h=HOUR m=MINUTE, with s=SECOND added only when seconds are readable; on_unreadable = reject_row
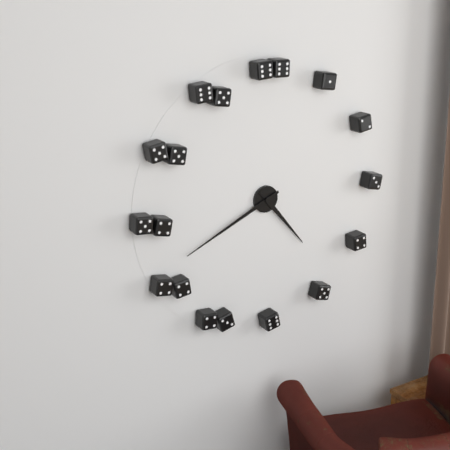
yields h=4 m=41
